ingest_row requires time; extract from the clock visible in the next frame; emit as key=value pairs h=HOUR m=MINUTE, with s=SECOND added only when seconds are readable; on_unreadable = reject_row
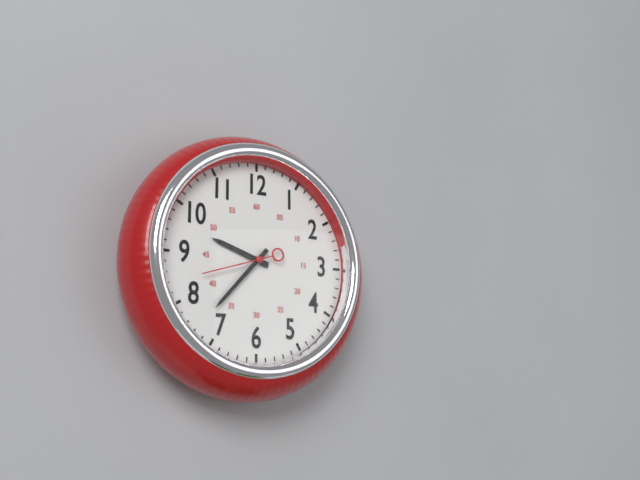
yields h=9 m=37 s=42
